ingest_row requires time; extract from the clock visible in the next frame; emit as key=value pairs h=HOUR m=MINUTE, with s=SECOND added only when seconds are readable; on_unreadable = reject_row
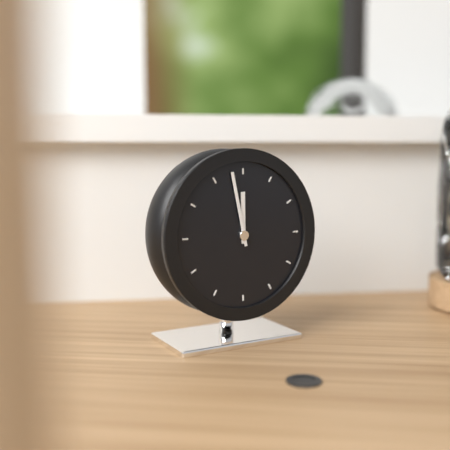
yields h=11 m=58
